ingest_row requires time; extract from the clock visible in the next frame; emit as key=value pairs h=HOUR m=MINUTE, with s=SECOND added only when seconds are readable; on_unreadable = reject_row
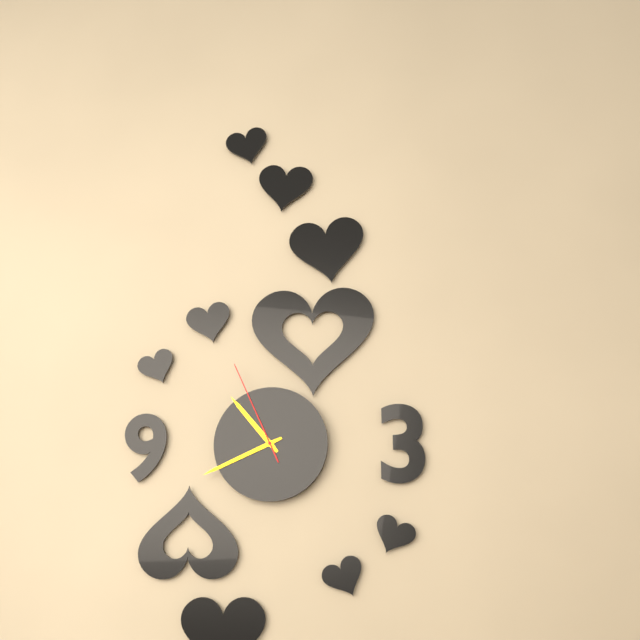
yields h=10 m=41 s=56
